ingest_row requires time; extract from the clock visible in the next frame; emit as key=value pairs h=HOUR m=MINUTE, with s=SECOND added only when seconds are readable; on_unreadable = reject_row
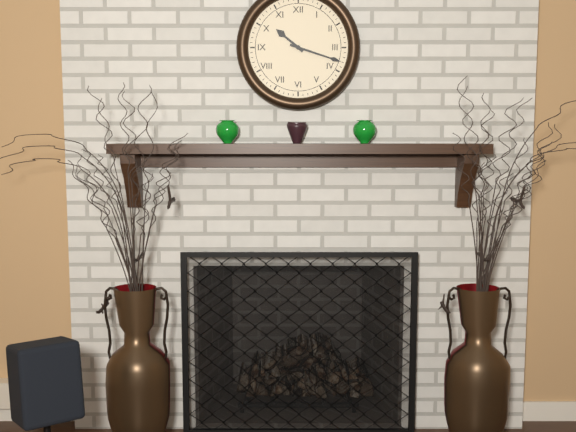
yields h=10 m=18
